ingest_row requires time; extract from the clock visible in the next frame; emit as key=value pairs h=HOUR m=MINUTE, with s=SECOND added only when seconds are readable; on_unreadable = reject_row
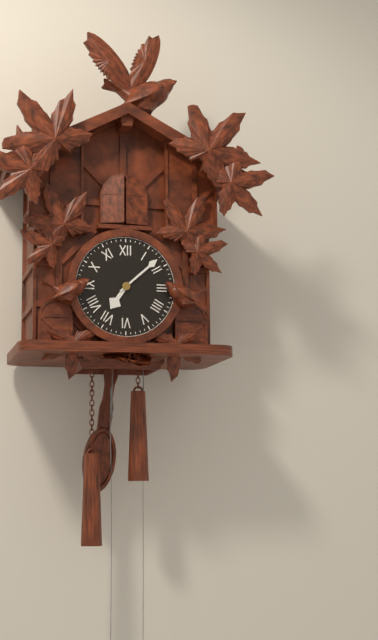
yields h=7 m=8
